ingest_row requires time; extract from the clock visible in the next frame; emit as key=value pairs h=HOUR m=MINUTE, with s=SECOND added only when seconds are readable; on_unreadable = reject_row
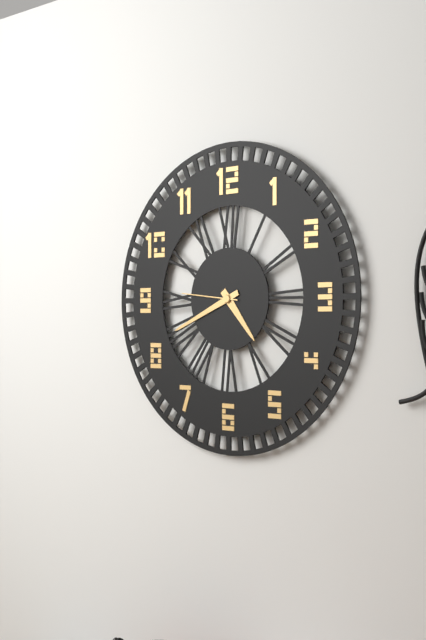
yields h=4 m=41 s=46
